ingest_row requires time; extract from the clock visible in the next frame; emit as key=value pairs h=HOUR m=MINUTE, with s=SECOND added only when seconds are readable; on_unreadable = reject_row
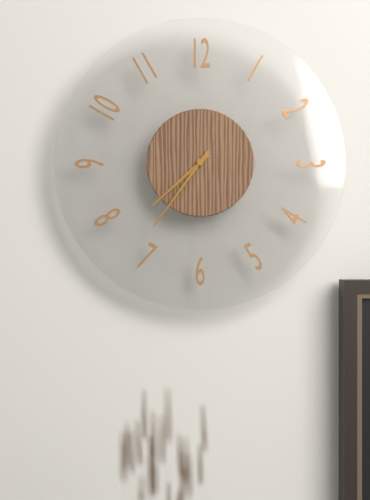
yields h=7 m=36
